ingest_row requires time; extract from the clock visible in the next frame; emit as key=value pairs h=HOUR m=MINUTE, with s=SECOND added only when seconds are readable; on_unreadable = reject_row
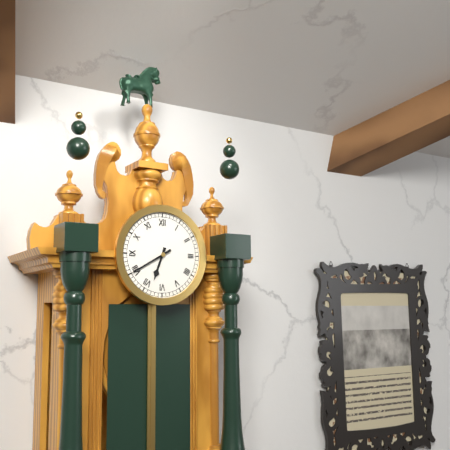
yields h=6 m=40
